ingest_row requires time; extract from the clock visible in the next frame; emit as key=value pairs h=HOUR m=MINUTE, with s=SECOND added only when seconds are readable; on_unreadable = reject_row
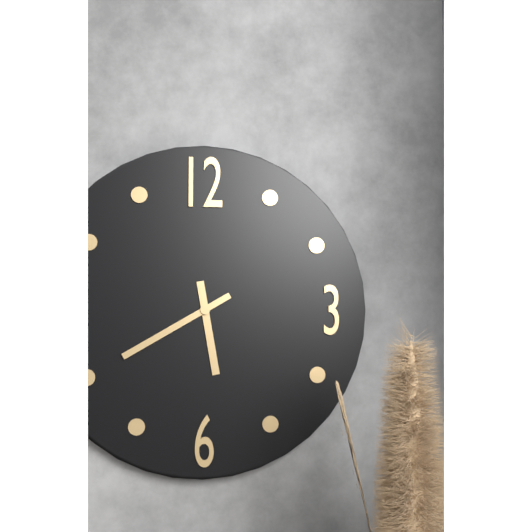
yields h=5 m=40
